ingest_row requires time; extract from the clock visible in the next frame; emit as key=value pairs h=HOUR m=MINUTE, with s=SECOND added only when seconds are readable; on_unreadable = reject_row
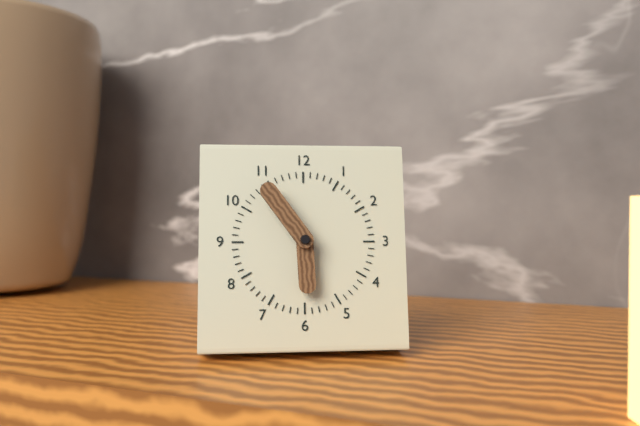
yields h=5 m=54
